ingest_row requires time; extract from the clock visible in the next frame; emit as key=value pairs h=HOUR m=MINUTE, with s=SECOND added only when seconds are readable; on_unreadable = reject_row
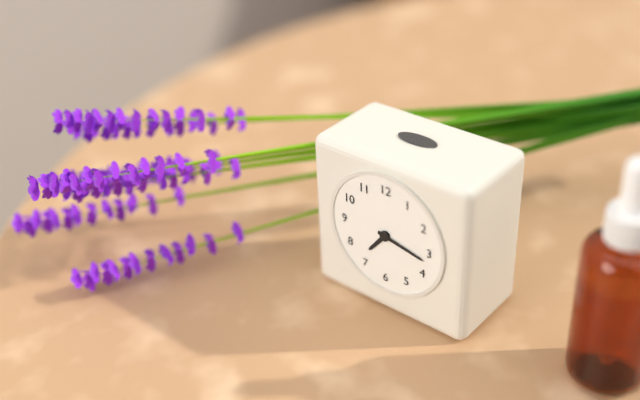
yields h=7 m=17
